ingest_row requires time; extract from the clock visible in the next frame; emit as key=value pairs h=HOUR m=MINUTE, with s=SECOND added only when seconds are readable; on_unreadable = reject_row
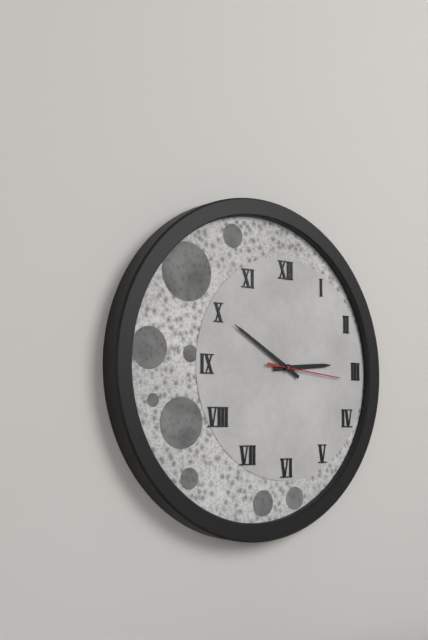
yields h=2 m=50 s=16
